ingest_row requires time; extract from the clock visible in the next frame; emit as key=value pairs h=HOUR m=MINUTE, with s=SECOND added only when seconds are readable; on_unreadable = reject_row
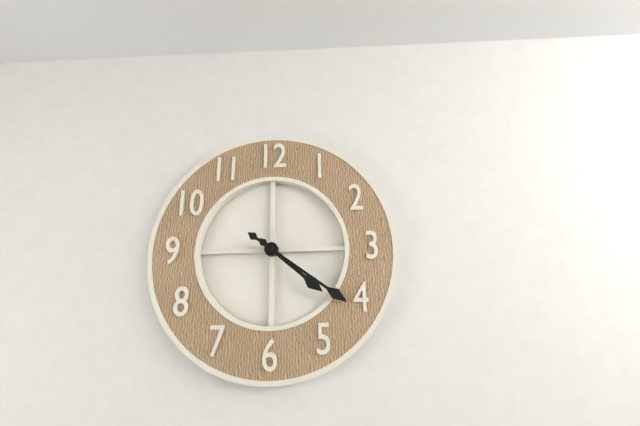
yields h=4 m=21
